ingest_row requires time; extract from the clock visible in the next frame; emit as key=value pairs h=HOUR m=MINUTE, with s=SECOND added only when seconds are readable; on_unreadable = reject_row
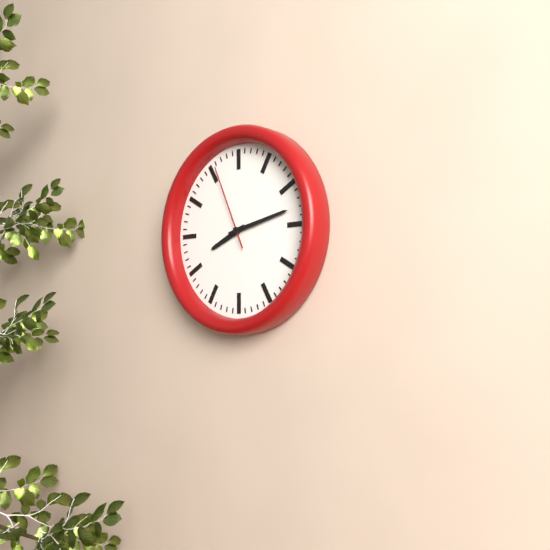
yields h=8 m=13 s=56
